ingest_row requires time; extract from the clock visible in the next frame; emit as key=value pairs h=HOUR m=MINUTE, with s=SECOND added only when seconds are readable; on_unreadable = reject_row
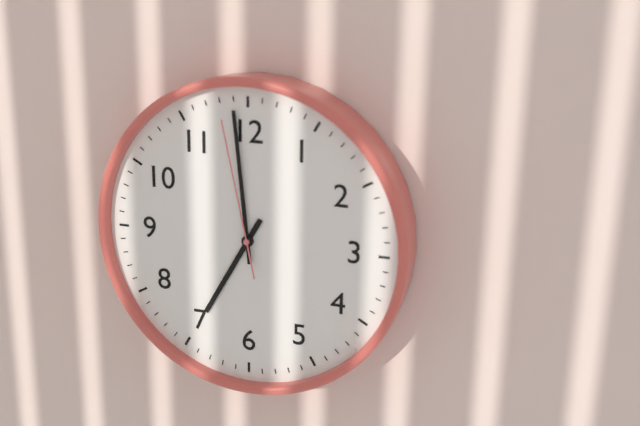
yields h=6 m=59 s=58
